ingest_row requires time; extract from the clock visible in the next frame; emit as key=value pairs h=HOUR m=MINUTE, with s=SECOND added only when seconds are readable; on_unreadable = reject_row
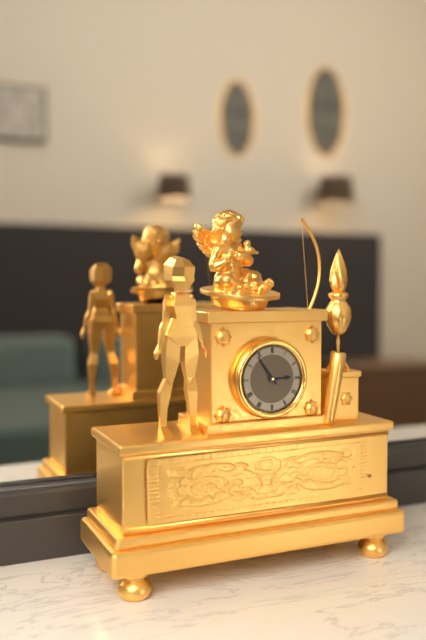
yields h=2 m=54
